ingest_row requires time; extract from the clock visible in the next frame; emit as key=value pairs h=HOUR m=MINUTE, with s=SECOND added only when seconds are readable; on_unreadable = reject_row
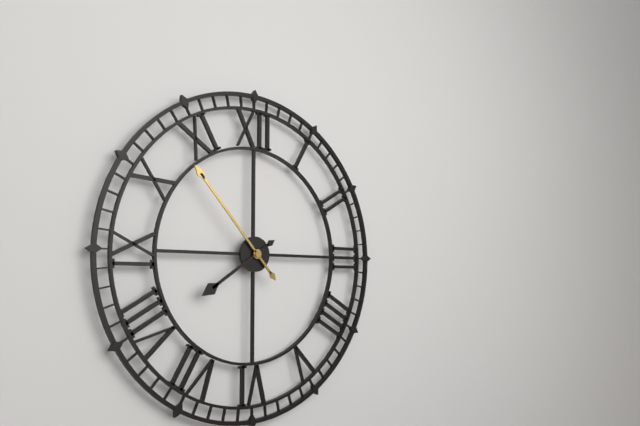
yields h=7 m=53
